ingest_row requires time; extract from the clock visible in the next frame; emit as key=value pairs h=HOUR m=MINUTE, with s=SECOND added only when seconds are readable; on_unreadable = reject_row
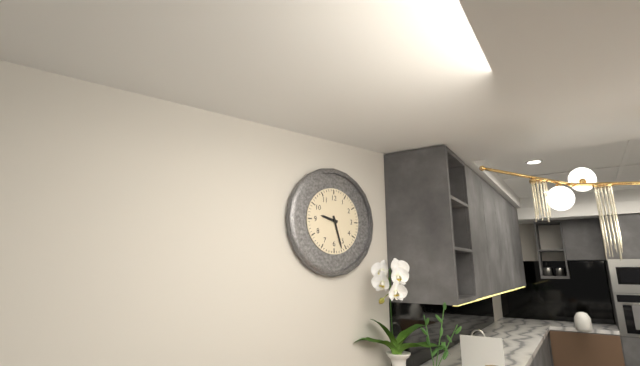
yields h=9 m=27
